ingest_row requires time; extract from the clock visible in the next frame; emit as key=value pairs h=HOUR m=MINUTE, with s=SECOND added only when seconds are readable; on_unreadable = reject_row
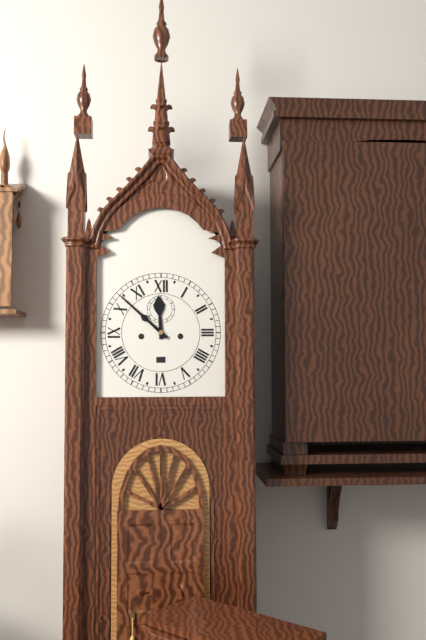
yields h=11 m=52
